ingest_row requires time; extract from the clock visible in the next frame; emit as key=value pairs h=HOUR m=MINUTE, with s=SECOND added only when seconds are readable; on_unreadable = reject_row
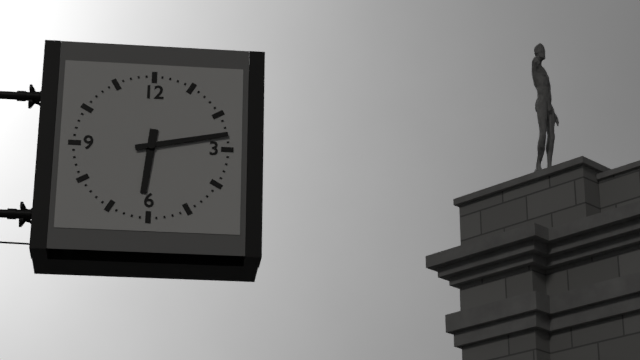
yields h=6 m=13
